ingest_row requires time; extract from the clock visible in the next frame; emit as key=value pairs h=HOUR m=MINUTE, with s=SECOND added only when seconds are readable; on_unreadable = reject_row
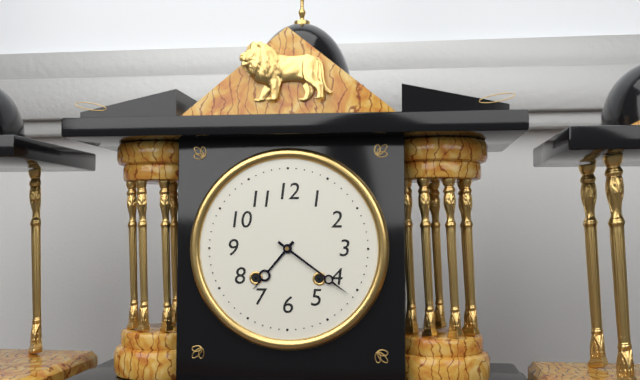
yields h=7 m=21
